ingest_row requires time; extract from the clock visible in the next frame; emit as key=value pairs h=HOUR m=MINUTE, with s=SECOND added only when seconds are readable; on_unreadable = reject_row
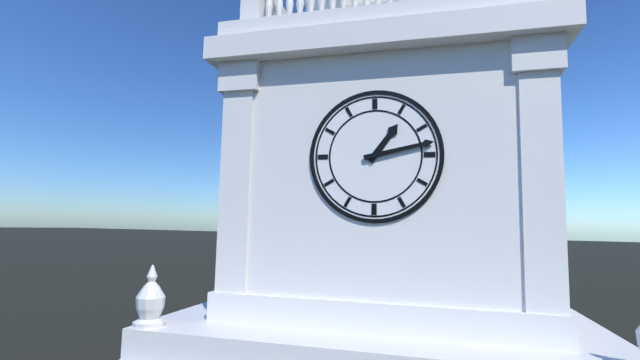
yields h=1 m=13
